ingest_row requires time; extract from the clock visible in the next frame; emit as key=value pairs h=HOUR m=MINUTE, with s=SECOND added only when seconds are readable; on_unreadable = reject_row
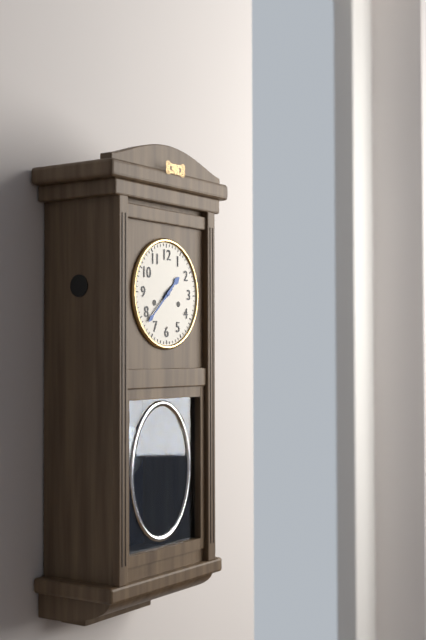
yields h=1 m=38
